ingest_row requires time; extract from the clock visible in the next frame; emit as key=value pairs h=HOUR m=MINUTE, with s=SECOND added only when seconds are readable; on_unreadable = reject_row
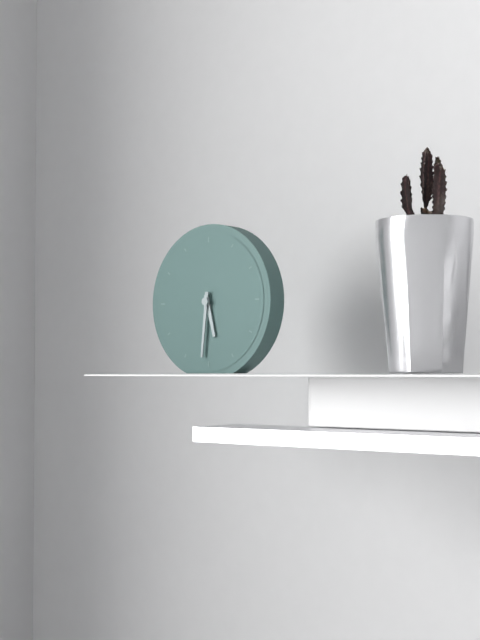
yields h=5 m=31
